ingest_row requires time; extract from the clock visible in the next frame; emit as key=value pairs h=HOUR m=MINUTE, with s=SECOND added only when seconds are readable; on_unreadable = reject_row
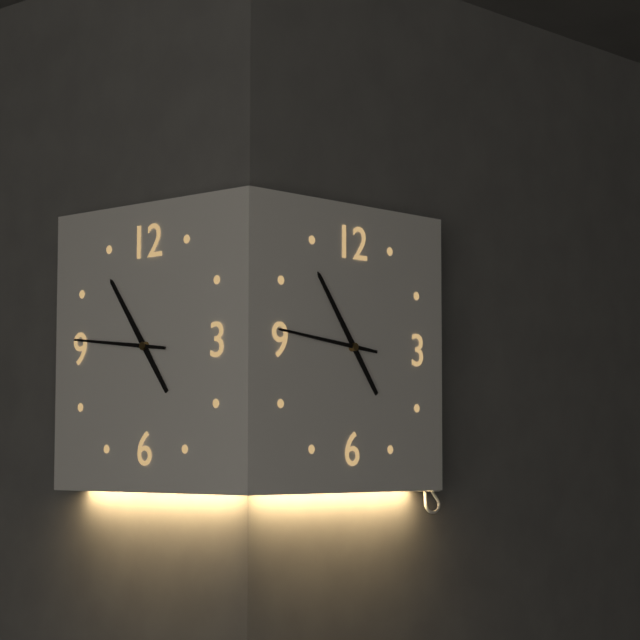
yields h=10 m=46
